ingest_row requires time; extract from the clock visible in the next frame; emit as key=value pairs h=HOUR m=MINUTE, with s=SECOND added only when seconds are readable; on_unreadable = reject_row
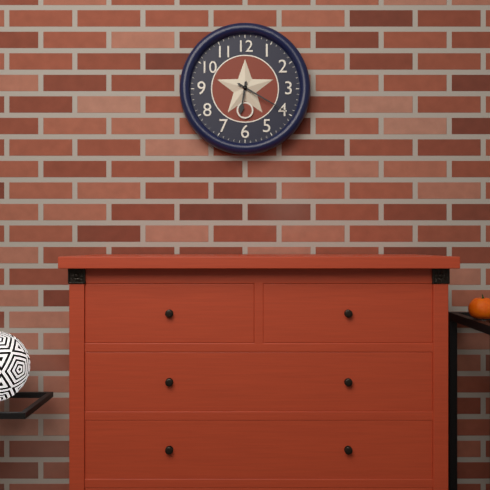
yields h=6 m=20
